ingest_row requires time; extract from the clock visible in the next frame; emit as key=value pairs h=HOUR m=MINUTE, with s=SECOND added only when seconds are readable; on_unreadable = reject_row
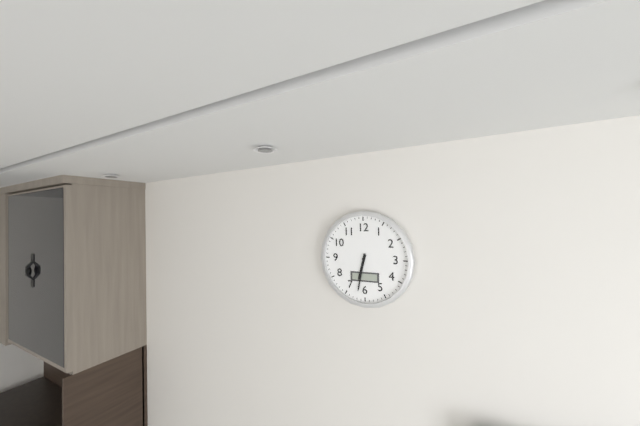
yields h=6 m=32
